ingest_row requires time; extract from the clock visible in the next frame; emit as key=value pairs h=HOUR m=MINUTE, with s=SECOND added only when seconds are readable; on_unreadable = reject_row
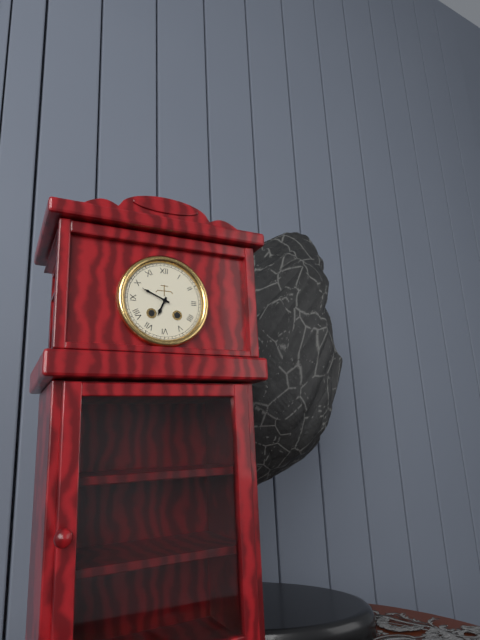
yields h=6 m=49
